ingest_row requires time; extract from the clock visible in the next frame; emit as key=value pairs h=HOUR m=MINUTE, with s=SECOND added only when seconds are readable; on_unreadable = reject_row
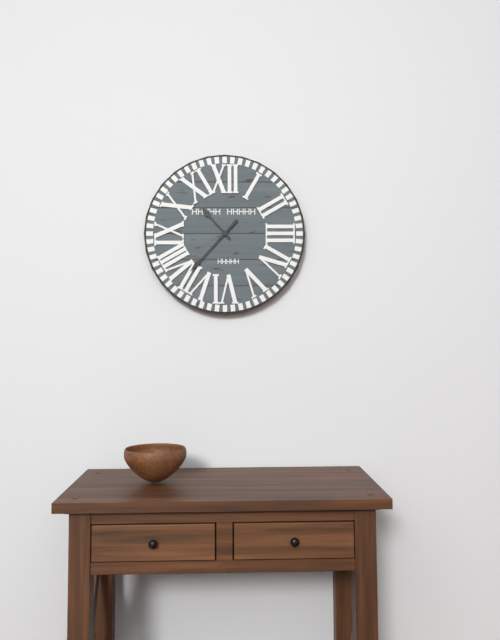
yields h=10 m=37
